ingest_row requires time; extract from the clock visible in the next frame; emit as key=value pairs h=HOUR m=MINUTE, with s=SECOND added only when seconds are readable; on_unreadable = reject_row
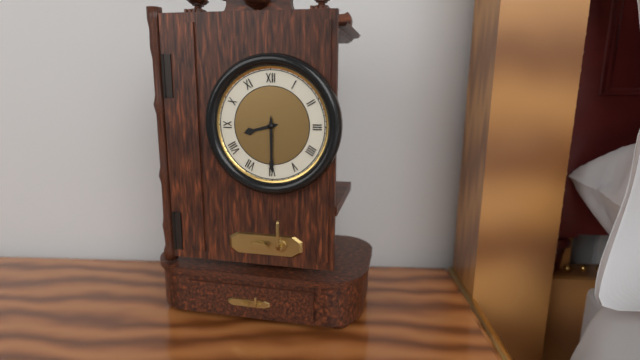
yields h=8 m=30
